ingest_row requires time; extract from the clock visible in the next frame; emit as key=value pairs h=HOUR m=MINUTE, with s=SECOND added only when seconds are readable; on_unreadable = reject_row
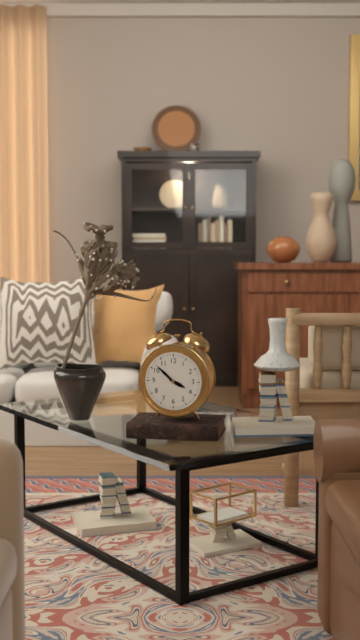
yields h=3 m=52
